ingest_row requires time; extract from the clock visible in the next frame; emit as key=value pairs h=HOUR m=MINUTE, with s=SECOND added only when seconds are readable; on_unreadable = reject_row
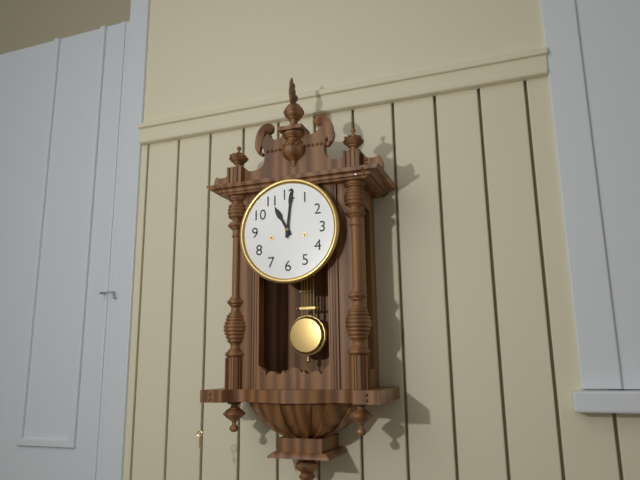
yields h=11 m=1
